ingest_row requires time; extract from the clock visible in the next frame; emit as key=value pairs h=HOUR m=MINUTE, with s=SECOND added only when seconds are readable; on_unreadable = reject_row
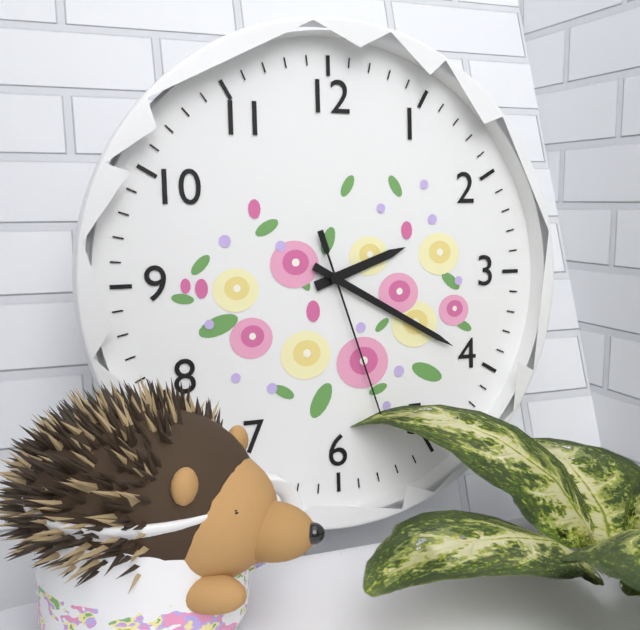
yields h=2 m=20 s=27
